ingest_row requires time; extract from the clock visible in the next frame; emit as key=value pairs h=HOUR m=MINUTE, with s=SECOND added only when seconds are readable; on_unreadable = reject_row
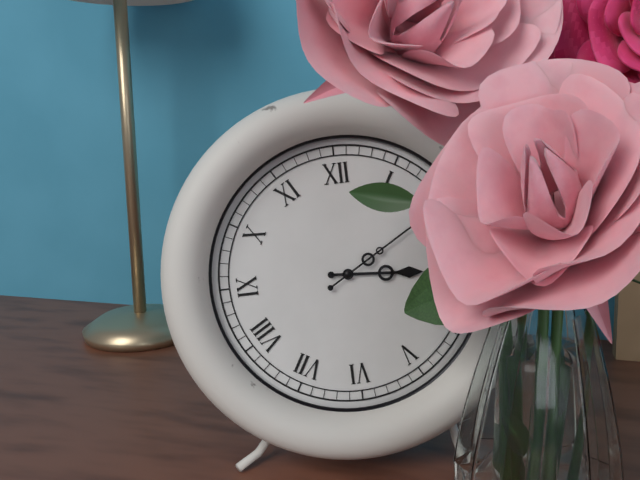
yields h=3 m=10
